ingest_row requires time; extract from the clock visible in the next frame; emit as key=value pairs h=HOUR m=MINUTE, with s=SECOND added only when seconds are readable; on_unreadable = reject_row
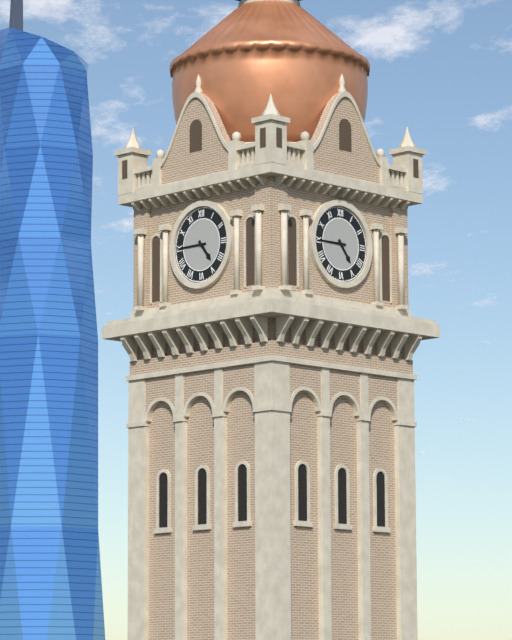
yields h=4 m=45
